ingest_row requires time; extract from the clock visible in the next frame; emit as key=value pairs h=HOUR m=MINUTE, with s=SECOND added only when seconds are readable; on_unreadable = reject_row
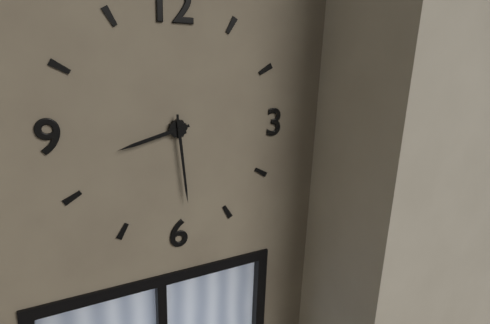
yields h=8 m=29
